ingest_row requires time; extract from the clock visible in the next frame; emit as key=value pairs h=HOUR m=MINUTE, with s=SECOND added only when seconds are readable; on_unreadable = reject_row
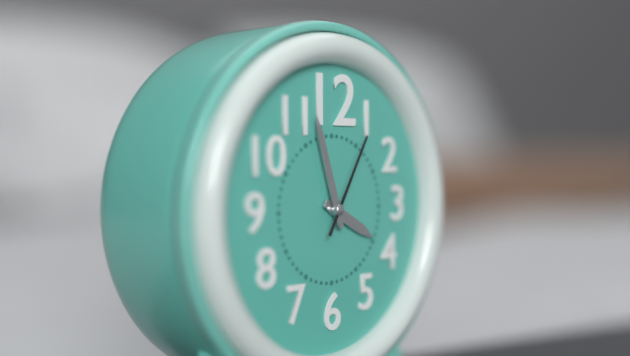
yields h=3 m=57 s=5
